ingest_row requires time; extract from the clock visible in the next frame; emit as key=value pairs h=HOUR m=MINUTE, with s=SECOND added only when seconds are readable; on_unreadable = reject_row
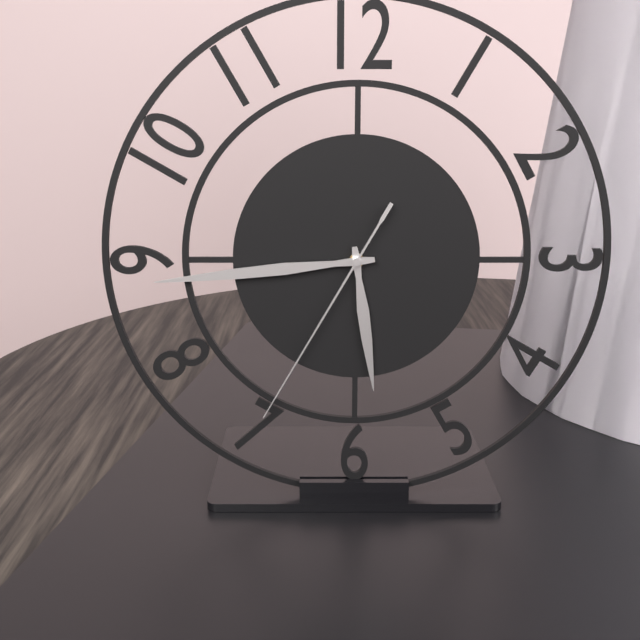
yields h=5 m=44 s=35
